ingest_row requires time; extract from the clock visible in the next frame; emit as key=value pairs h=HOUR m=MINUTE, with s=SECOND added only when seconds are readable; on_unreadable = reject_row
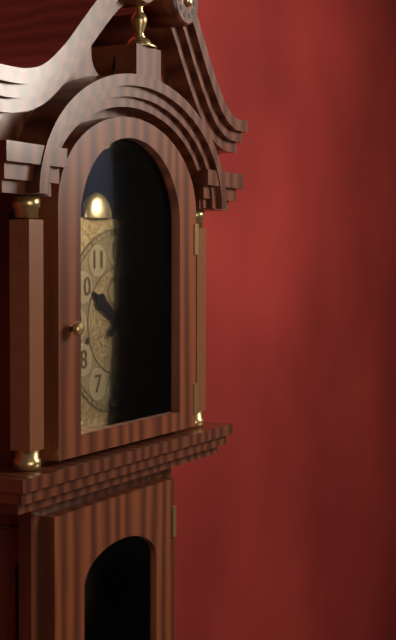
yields h=10 m=8
